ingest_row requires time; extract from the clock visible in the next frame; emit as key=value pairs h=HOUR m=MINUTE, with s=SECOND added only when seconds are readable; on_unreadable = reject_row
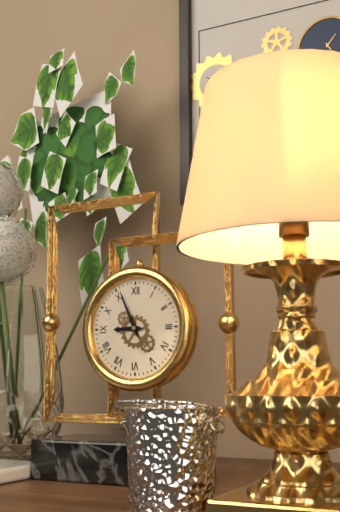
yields h=8 m=56
